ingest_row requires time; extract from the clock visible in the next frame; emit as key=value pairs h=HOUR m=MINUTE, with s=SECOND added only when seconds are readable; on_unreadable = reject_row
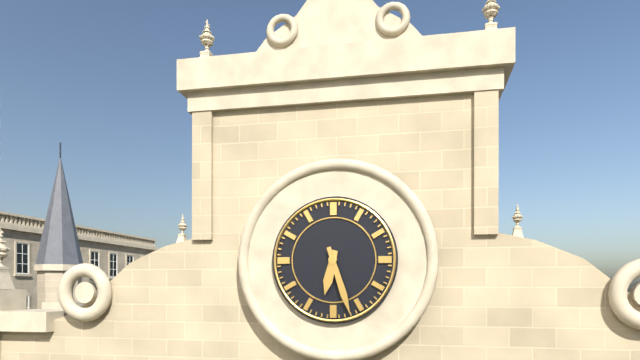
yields h=6 m=27
